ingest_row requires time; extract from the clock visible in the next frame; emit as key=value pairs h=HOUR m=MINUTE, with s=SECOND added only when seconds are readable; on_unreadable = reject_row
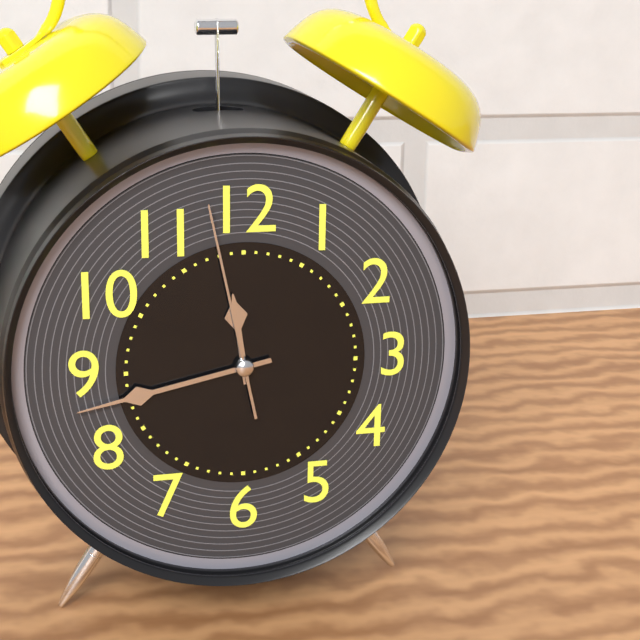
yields h=11 m=43 s=58
